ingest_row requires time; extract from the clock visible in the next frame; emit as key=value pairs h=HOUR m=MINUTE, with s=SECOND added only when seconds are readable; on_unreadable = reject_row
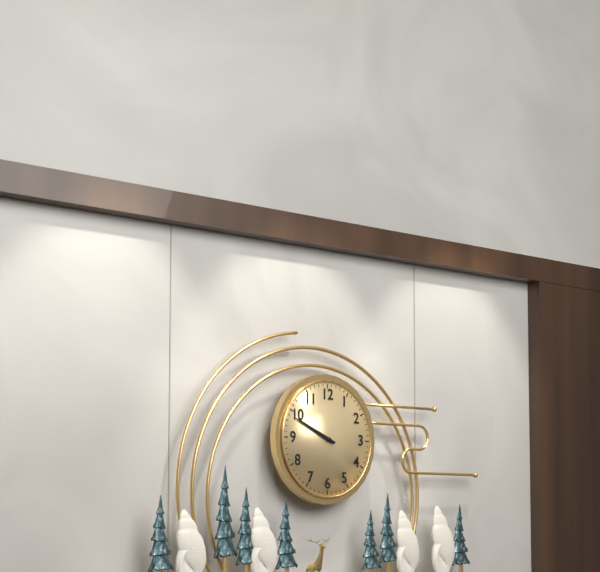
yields h=9 m=49
